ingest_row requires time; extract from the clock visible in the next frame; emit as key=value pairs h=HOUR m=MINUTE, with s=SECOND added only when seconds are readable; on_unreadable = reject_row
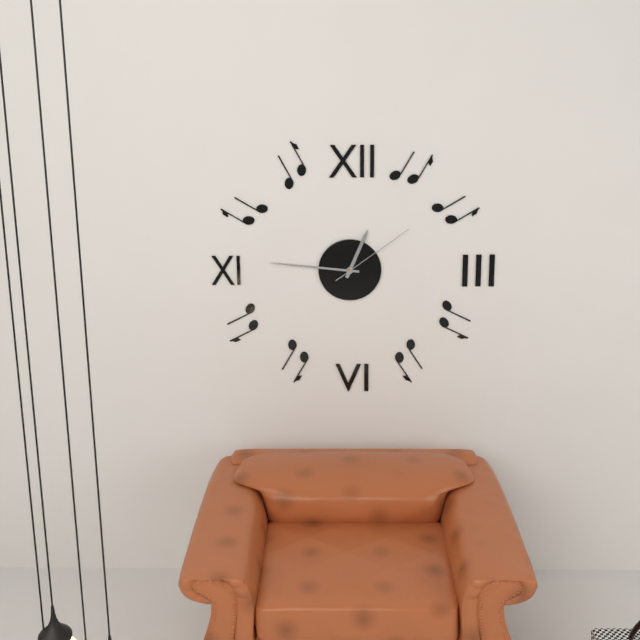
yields h=12 m=46 s=9
